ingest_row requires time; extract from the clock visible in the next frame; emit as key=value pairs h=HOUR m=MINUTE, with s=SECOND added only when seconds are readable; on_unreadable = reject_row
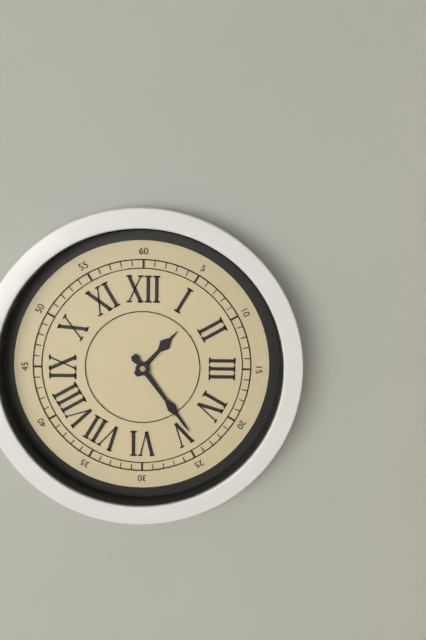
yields h=1 m=24
